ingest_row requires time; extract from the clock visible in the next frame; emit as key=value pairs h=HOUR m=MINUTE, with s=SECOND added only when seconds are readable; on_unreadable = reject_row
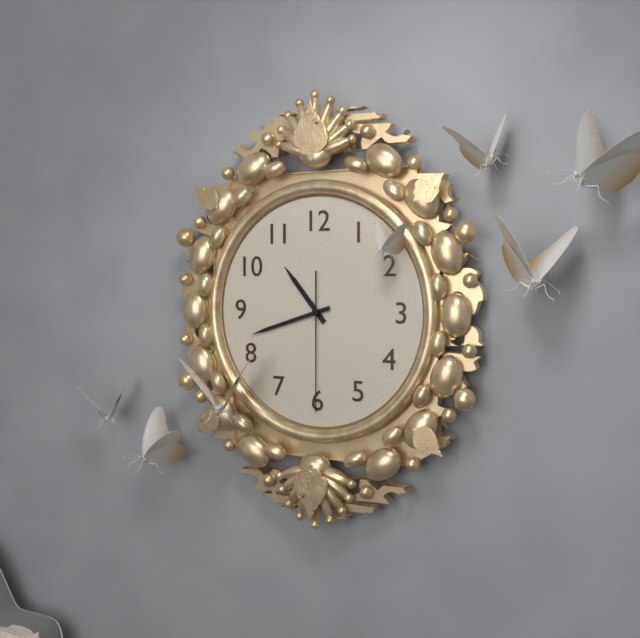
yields h=10 m=42 s=30
